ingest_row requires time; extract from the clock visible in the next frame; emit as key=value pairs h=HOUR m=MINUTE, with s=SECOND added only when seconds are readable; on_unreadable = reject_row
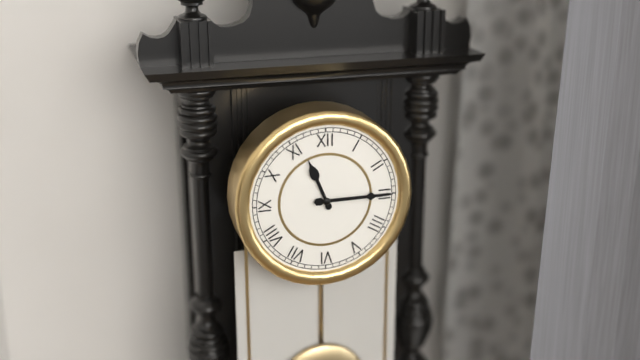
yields h=11 m=15
